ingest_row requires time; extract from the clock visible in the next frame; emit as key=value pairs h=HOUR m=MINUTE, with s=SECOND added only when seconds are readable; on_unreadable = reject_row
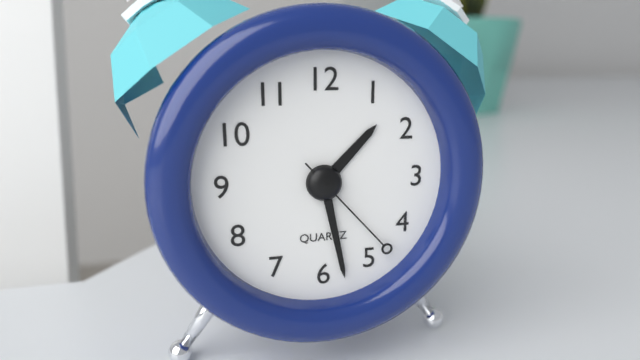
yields h=1 m=28 s=23
